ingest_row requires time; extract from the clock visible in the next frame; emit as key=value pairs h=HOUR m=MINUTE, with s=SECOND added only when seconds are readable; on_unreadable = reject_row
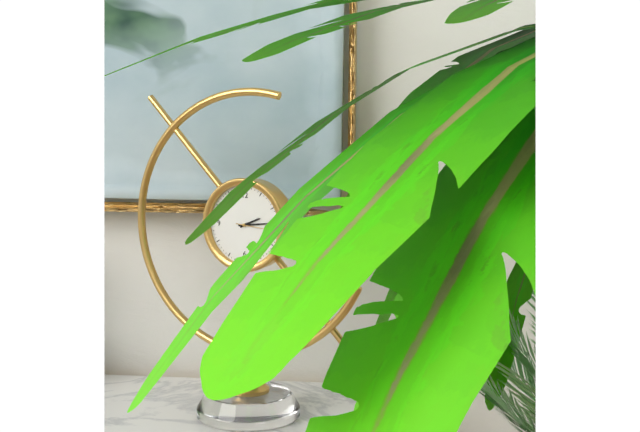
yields h=2 m=14
